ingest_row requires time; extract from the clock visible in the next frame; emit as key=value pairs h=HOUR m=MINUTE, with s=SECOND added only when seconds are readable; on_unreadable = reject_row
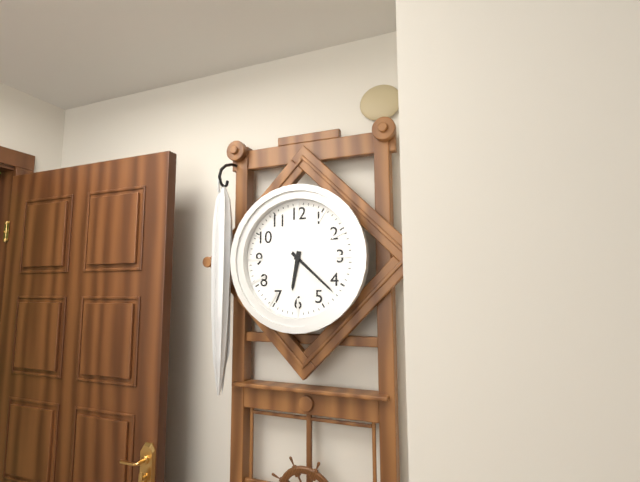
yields h=6 m=22
